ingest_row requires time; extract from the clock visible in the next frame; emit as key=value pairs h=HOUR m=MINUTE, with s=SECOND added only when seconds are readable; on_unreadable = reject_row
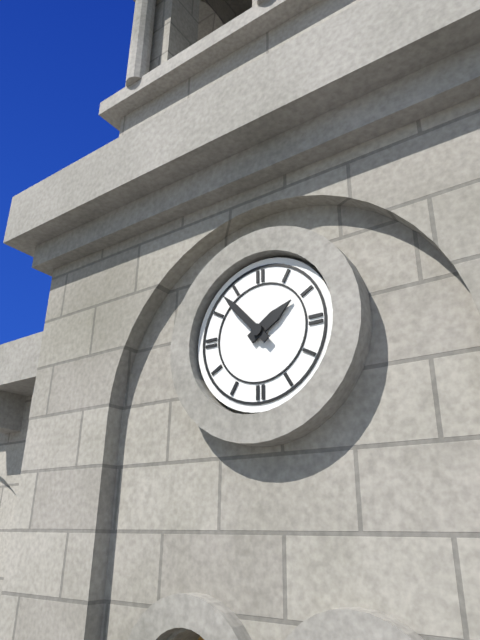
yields h=1 m=53
